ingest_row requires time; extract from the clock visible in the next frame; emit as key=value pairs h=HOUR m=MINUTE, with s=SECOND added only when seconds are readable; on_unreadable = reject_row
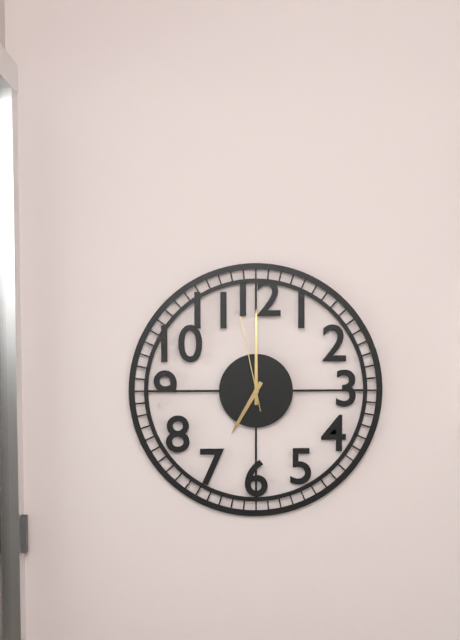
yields h=7 m=0 s=58
